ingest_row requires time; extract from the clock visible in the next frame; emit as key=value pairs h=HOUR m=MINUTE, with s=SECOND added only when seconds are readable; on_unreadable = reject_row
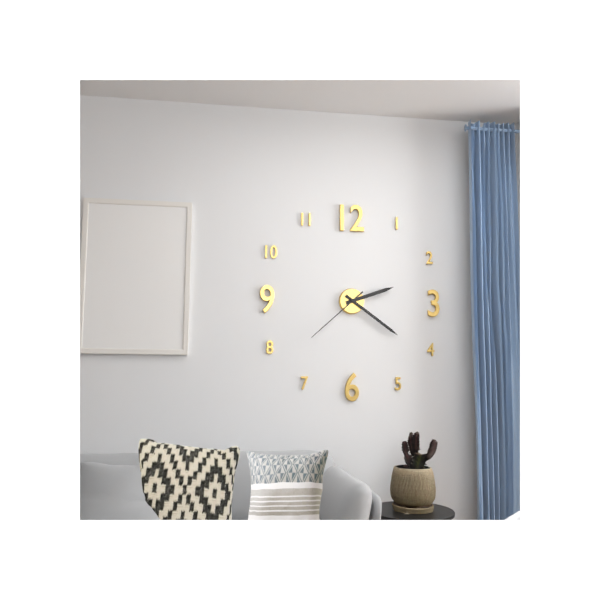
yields h=2 m=21 s=38
